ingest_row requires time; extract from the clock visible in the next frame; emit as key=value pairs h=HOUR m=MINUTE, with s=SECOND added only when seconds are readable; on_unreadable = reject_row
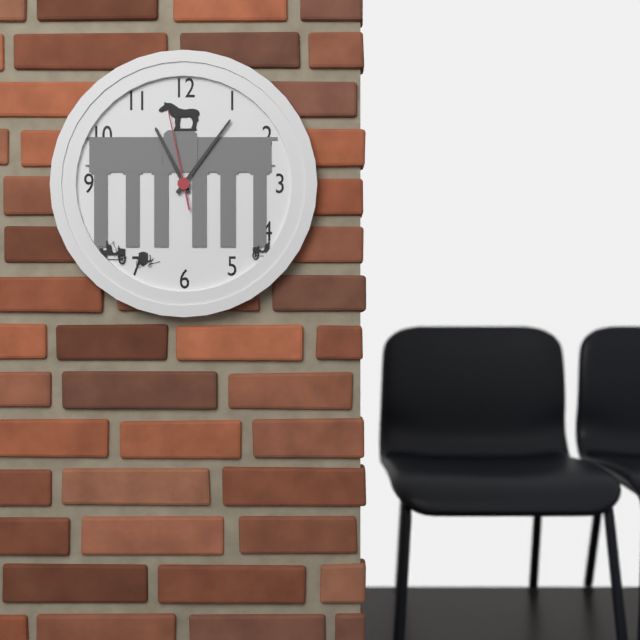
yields h=11 m=6 s=58
